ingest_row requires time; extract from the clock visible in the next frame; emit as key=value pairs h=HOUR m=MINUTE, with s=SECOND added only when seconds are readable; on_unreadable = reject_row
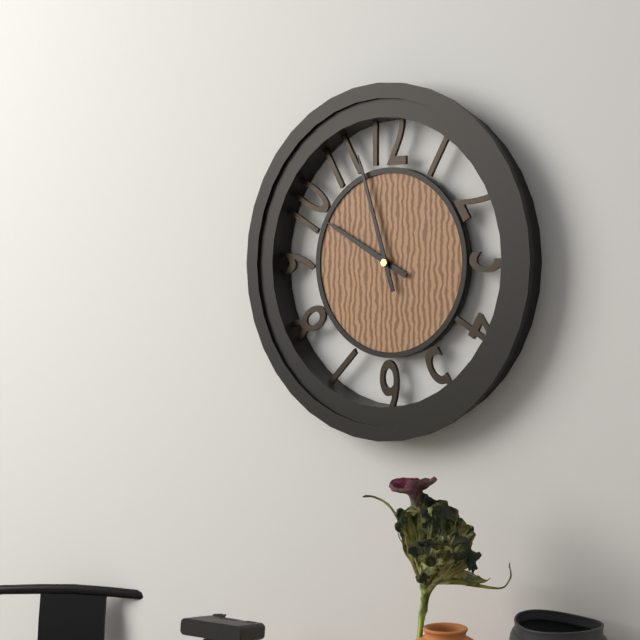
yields h=9 m=57
